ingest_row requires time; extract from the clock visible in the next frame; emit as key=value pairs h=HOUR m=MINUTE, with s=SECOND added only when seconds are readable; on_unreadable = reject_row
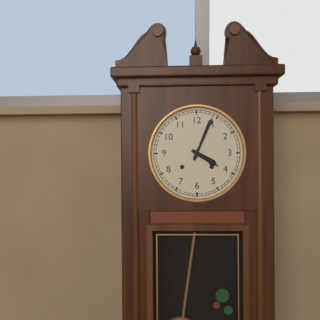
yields h=4 m=4
